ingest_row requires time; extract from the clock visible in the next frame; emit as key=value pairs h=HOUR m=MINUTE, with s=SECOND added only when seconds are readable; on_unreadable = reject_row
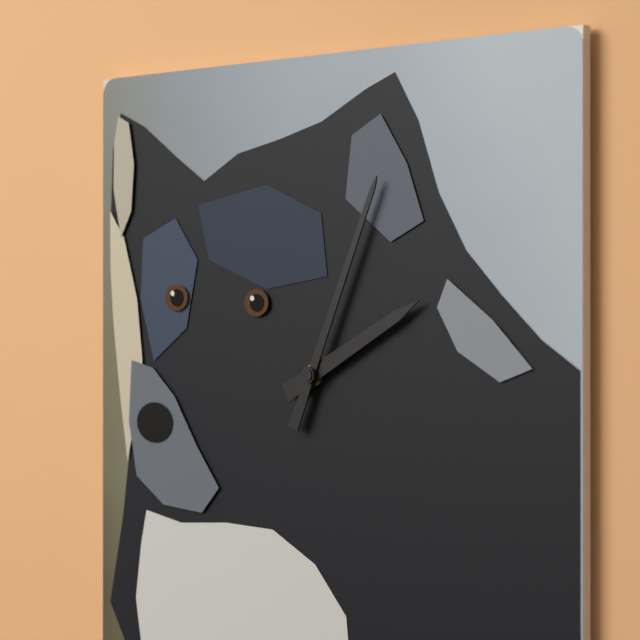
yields h=2 m=4
